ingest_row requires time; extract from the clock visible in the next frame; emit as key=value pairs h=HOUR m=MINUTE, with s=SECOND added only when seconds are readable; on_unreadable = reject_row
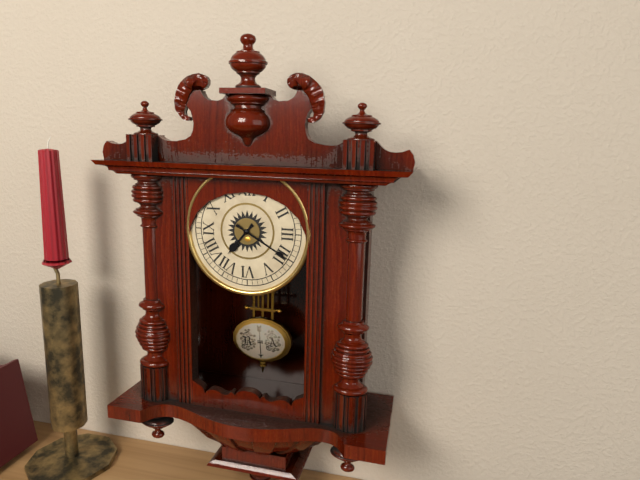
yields h=7 m=20
